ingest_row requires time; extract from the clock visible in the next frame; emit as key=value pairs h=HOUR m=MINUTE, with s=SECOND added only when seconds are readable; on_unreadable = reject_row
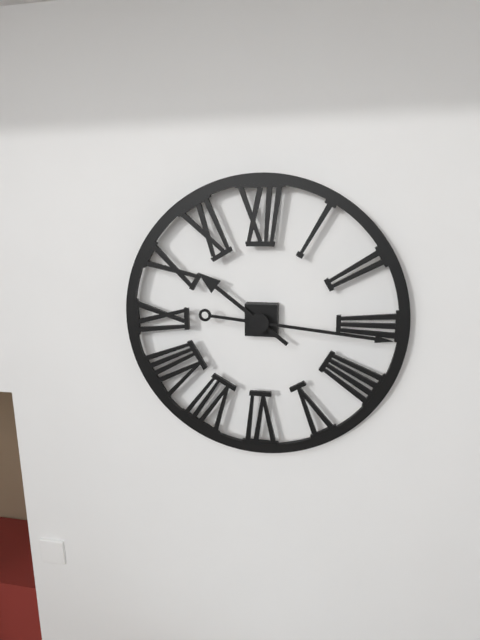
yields h=10 m=16
